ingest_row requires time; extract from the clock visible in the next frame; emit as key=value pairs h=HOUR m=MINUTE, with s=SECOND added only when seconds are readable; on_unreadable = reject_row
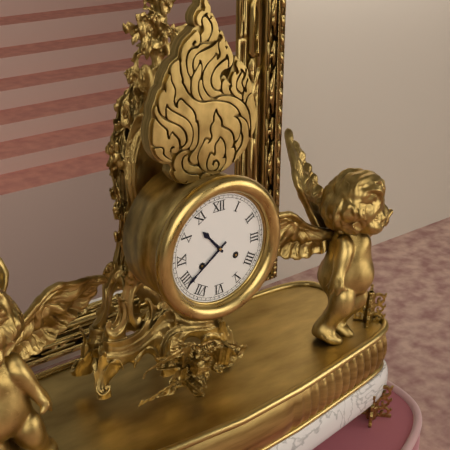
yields h=10 m=39
